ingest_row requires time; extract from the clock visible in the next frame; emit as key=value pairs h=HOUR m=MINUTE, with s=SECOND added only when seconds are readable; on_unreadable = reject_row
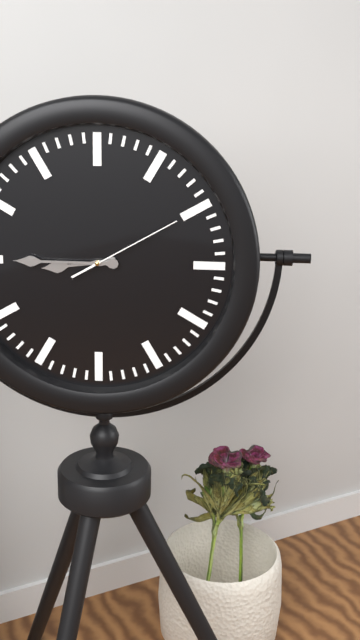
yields h=8 m=45 s=10
